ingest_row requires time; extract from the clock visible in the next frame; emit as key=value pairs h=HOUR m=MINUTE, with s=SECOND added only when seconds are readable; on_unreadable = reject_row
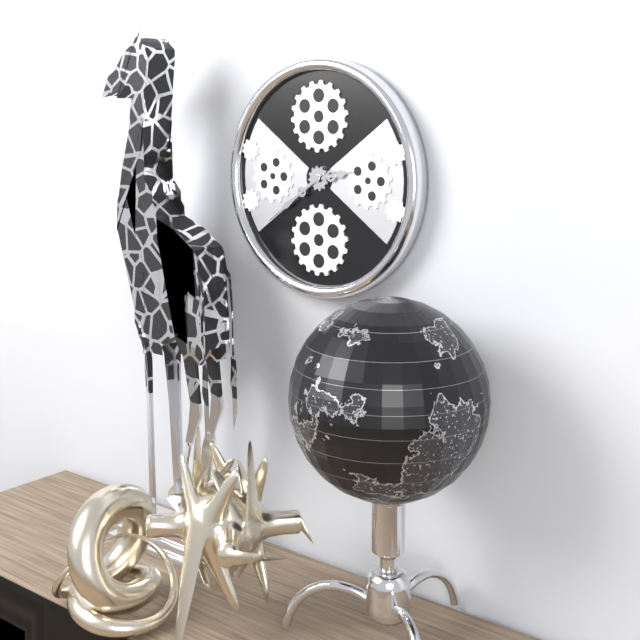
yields h=2 m=39
